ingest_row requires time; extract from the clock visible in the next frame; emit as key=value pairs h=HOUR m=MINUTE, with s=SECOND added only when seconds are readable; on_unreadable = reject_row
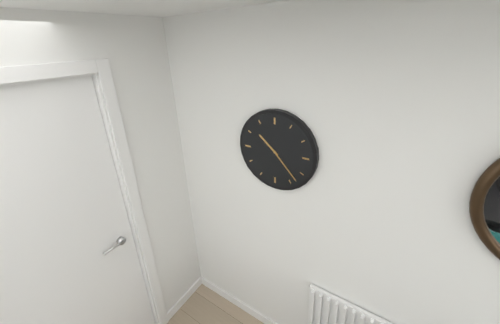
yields h=10 m=23
